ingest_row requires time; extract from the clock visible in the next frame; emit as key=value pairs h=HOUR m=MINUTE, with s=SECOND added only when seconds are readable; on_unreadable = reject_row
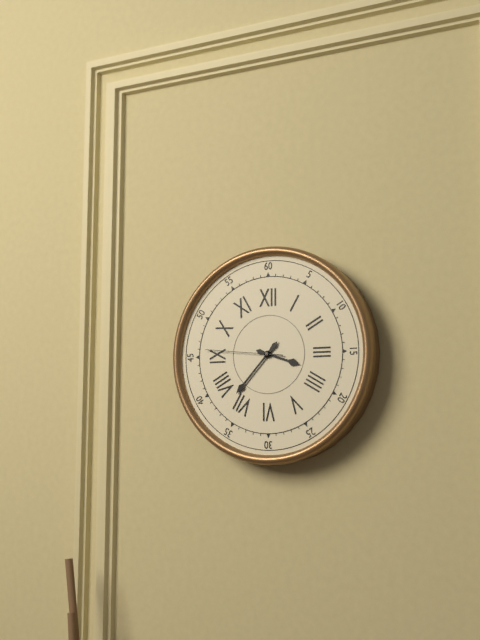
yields h=3 m=37 s=46
